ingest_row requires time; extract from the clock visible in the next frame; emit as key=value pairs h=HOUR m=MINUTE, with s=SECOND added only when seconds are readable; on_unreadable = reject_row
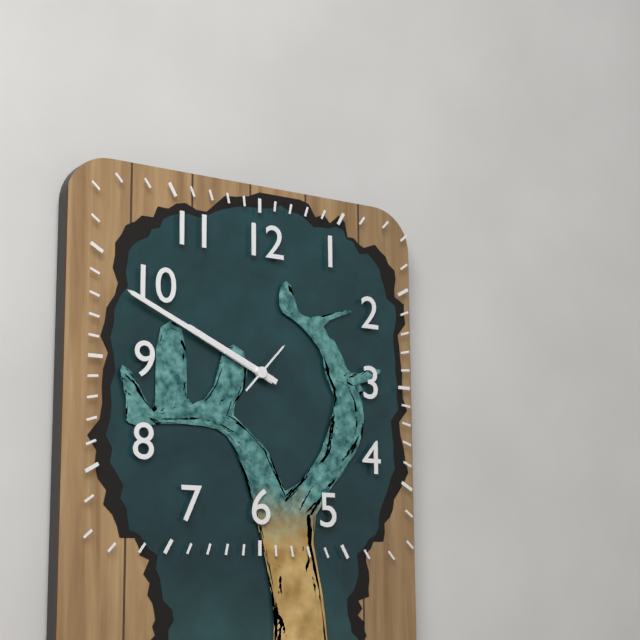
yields h=9 m=49 s=7
